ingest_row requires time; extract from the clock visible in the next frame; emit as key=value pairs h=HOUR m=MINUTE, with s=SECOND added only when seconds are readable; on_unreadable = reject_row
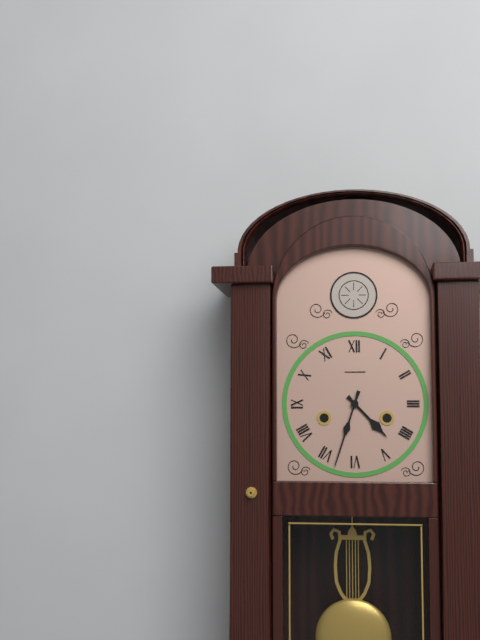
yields h=4 m=33
